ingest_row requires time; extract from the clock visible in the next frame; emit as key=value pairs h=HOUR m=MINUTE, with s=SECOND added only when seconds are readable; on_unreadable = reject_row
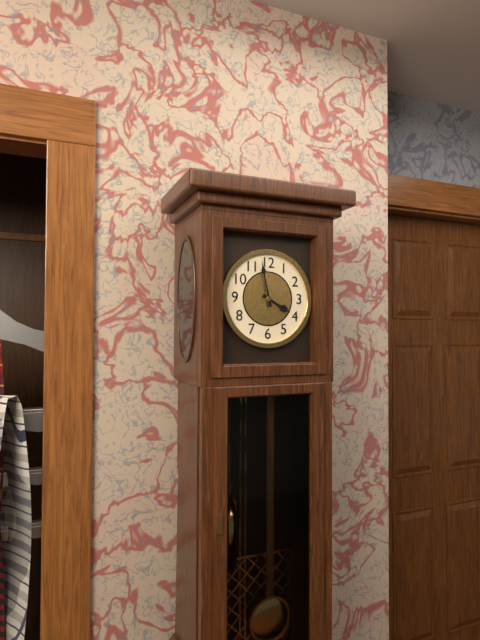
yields h=3 m=58
